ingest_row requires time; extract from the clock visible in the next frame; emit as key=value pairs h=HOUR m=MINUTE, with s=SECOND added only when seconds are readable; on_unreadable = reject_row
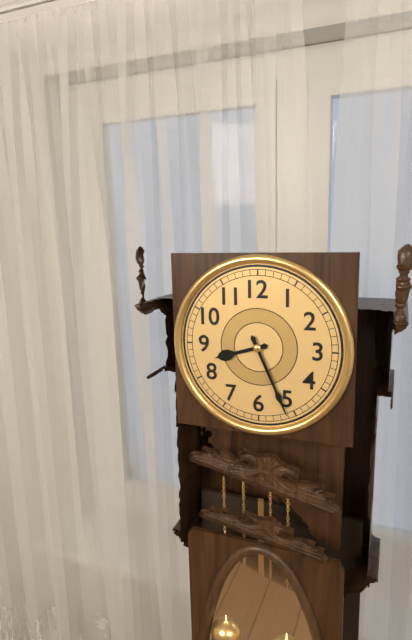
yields h=8 m=26
